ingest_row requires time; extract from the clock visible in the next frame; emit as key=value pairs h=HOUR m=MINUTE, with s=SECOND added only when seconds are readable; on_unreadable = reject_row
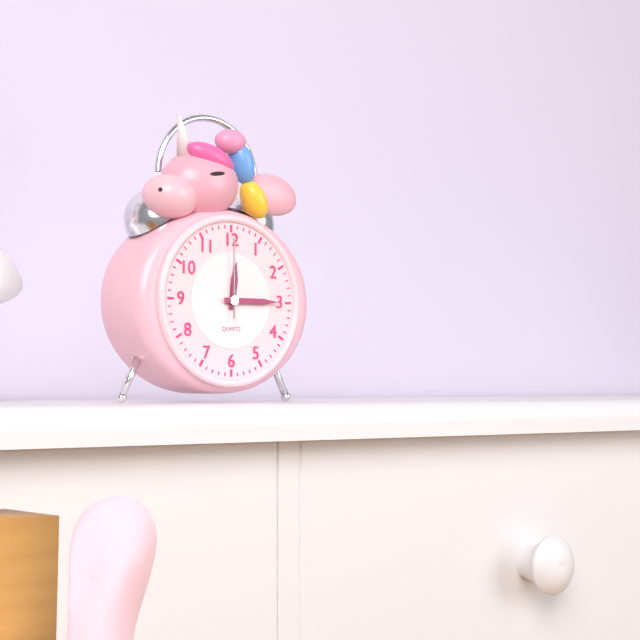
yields h=12 m=15 s=0
